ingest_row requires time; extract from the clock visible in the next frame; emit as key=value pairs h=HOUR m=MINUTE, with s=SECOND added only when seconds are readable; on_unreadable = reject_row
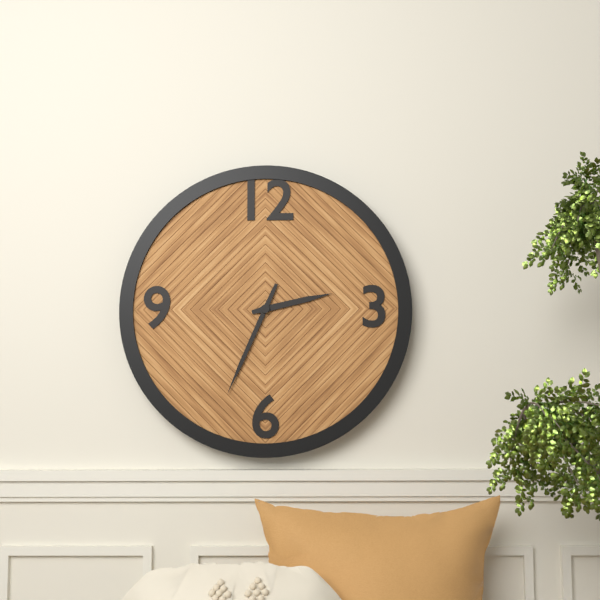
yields h=2 m=34
